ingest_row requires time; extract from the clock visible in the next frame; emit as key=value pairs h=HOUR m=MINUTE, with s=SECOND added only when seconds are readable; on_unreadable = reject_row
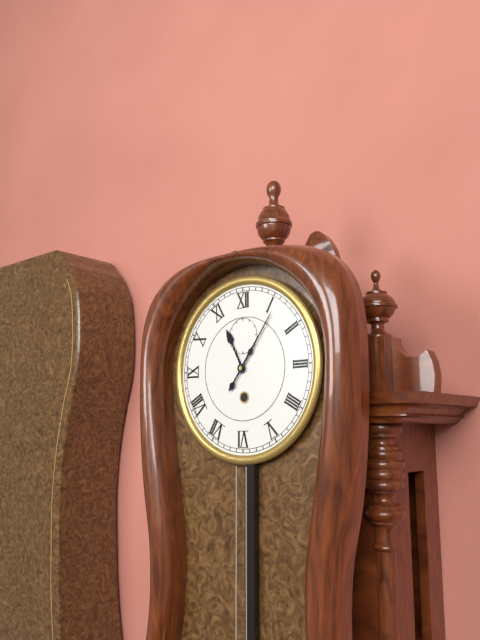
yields h=11 m=6
